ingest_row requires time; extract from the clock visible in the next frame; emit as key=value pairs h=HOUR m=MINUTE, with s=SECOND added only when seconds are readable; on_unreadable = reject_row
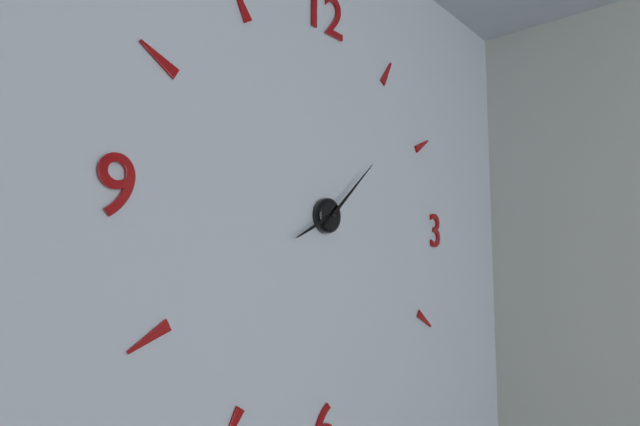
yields h=8 m=8
